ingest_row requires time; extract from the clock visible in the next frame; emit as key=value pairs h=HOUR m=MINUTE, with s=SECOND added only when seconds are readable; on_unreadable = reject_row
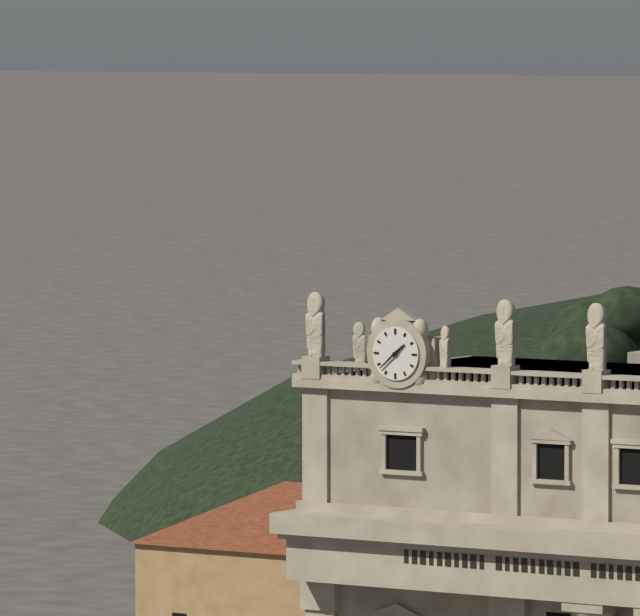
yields h=1 m=38
